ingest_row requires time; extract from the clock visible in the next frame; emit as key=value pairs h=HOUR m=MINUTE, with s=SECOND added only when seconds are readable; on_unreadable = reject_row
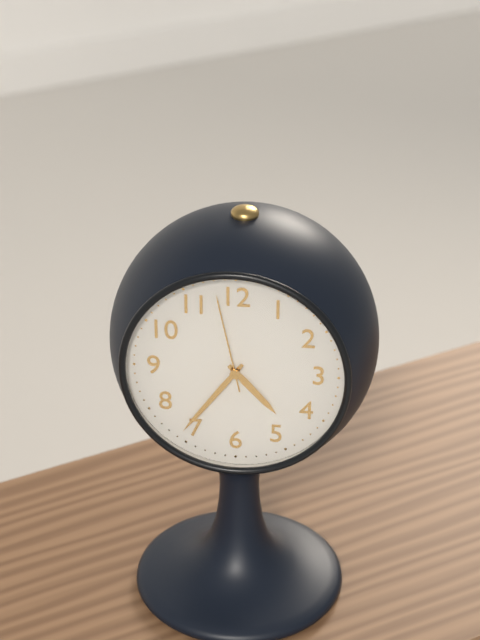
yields h=4 m=36 s=58
